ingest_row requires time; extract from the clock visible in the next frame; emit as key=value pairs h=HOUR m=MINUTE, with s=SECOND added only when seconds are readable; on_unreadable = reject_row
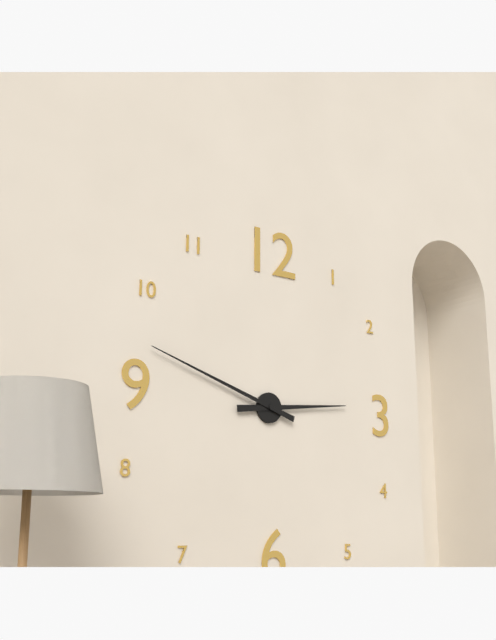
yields h=2 m=48
